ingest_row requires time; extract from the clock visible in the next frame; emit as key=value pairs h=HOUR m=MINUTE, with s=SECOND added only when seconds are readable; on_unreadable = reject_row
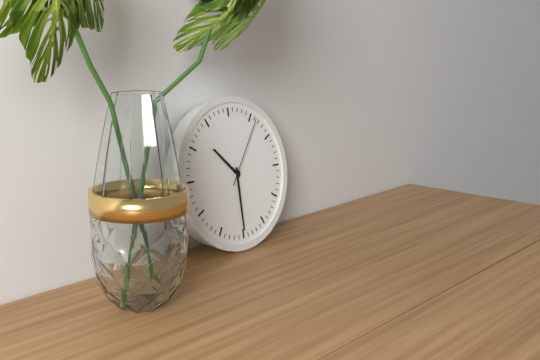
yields h=10 m=30 s=6
